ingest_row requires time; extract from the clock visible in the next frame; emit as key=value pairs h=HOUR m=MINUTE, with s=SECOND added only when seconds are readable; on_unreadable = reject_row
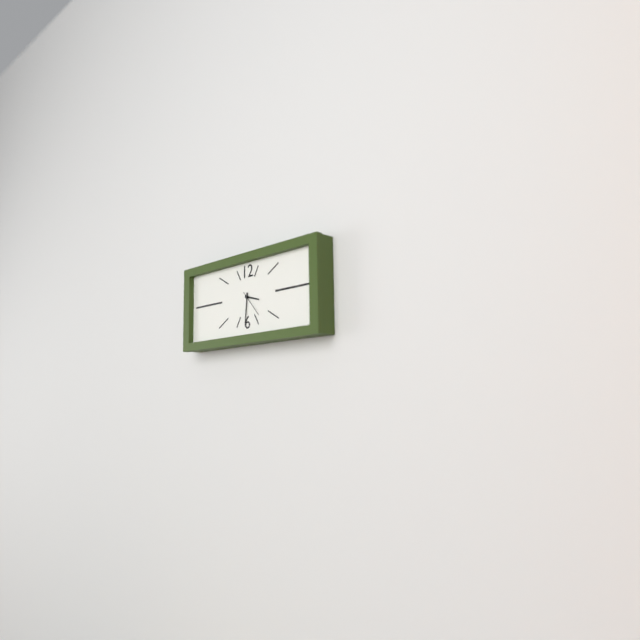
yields h=3 m=31
